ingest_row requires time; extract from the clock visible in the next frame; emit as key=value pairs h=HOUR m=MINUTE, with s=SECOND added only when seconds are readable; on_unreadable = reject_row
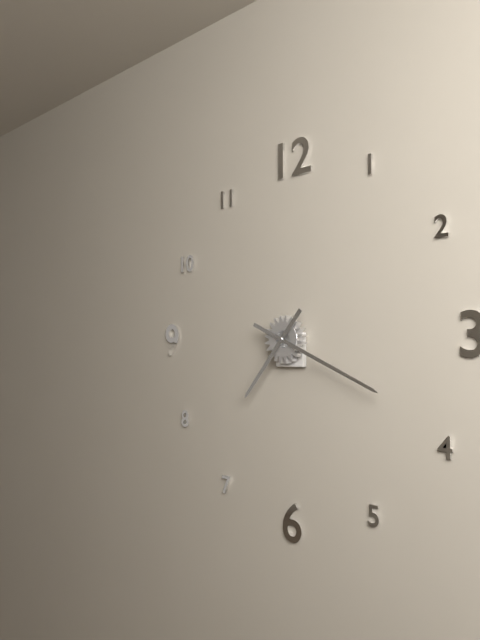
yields h=7 m=19
